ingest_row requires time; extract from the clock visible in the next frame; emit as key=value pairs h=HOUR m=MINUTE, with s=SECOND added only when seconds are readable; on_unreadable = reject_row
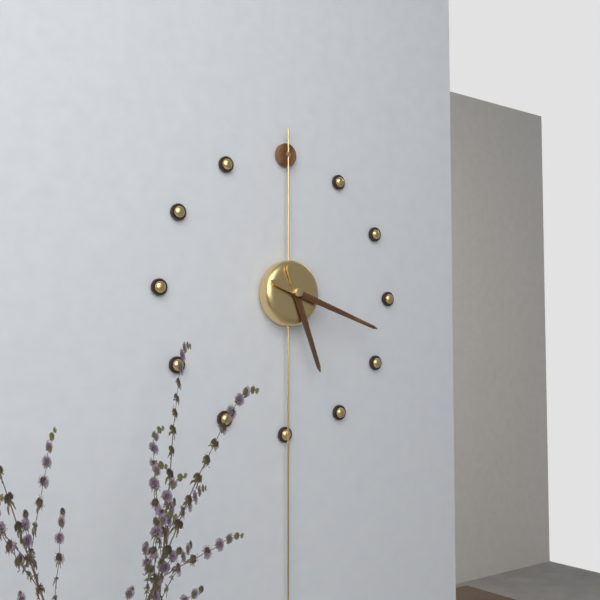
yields h=5 m=18
